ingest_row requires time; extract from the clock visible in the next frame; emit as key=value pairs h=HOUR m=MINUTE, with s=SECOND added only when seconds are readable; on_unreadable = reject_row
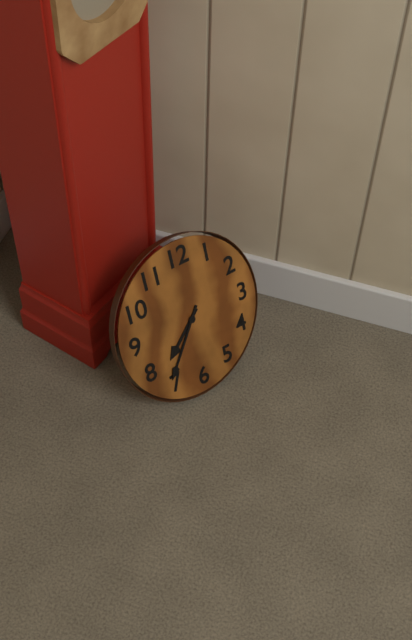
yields h=7 m=36
